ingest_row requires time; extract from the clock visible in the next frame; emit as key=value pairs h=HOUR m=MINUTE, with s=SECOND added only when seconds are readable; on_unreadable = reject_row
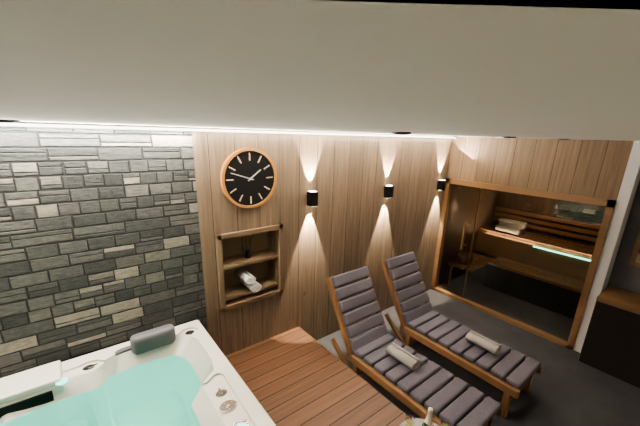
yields h=1 m=48
